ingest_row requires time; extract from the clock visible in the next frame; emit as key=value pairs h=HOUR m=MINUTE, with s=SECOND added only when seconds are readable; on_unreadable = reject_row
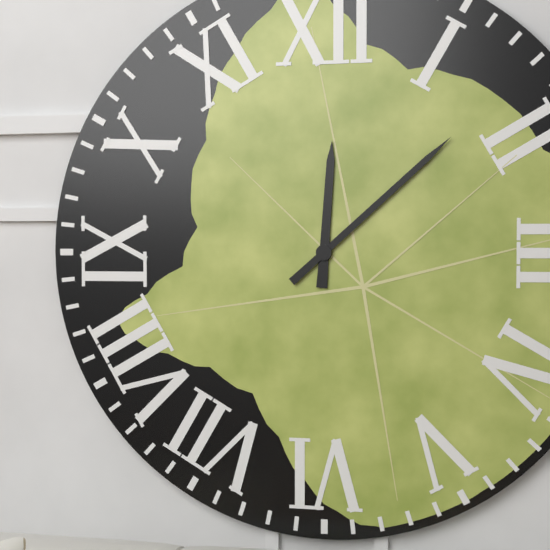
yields h=12 m=8
